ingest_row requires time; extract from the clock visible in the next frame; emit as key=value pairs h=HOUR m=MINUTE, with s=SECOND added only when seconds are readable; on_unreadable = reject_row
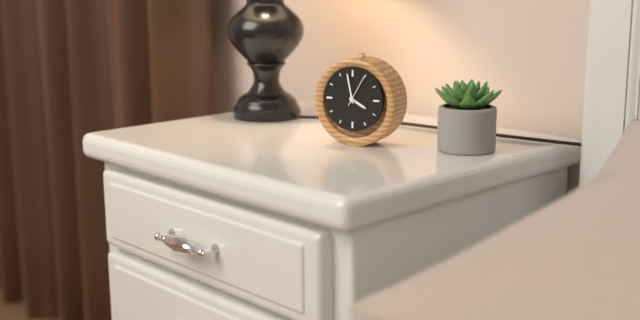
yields h=3 m=58
